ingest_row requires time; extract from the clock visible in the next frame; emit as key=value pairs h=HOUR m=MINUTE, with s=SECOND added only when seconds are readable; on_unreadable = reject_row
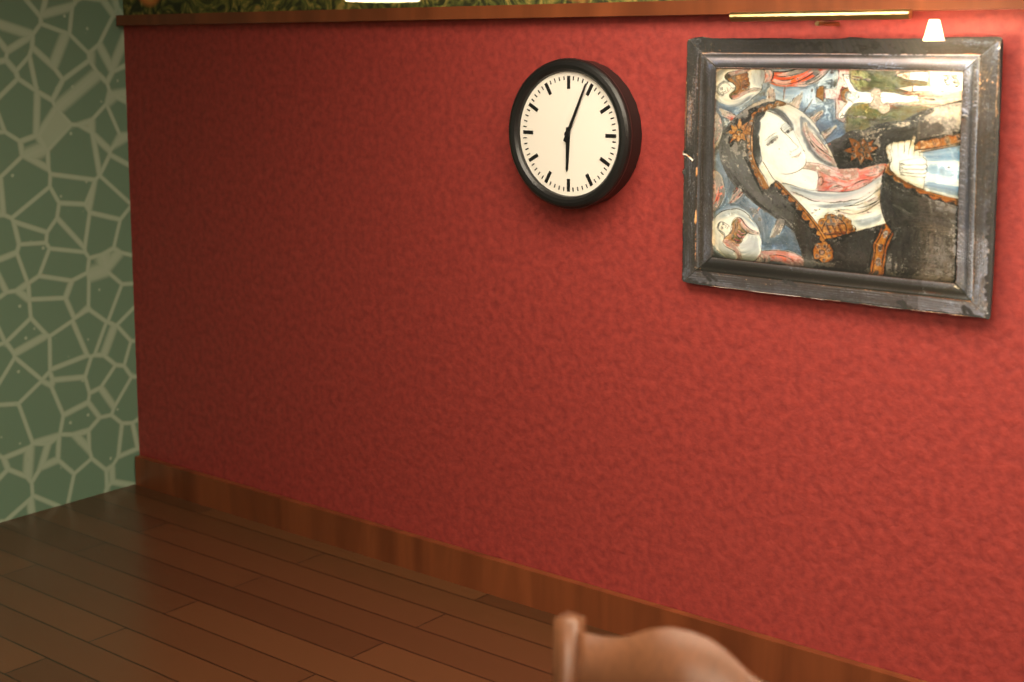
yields h=6 m=4
